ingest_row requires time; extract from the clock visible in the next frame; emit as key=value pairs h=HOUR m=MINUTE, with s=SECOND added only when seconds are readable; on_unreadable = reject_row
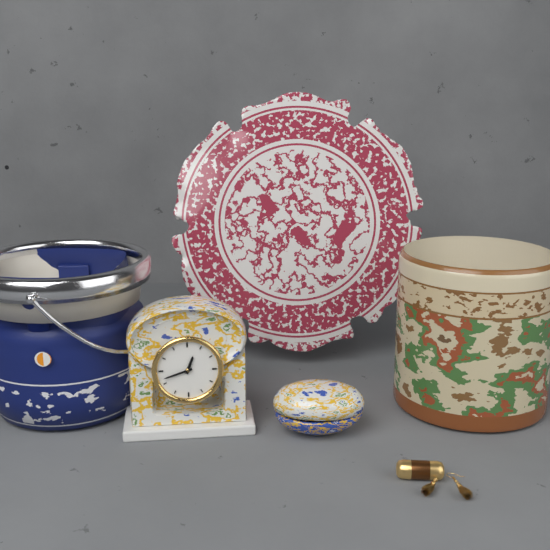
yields h=12 m=42
